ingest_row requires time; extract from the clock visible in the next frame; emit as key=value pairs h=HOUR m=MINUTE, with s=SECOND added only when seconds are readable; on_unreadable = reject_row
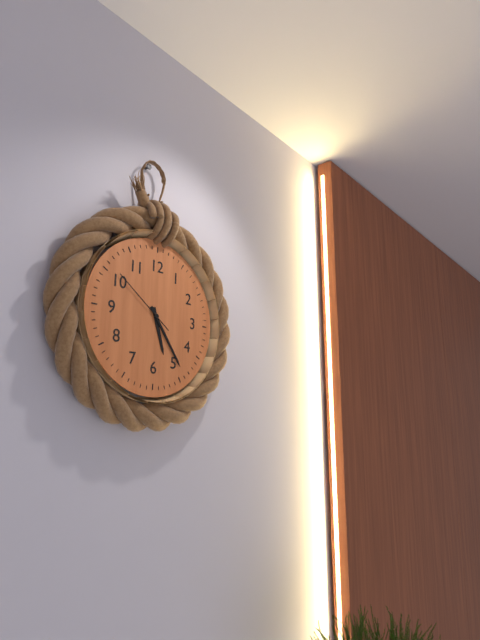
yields h=5 m=24 s=51
